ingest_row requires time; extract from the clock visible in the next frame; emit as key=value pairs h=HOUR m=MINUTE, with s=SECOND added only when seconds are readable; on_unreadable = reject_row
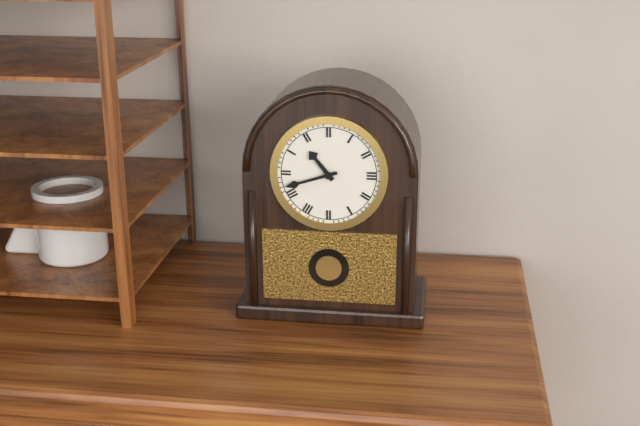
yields h=10 m=42
